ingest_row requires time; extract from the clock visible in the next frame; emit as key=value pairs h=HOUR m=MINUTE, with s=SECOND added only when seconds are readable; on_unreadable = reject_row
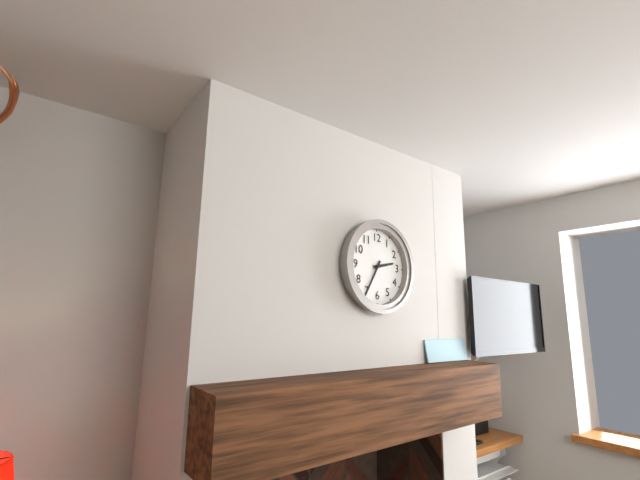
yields h=2 m=35
